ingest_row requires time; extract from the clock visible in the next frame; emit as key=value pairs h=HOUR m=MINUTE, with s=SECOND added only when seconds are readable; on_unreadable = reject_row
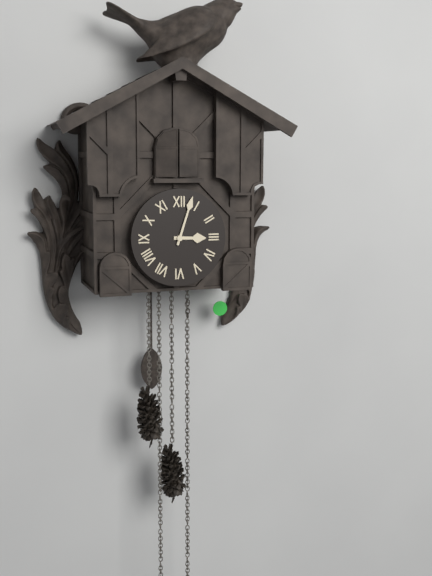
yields h=3 m=3
